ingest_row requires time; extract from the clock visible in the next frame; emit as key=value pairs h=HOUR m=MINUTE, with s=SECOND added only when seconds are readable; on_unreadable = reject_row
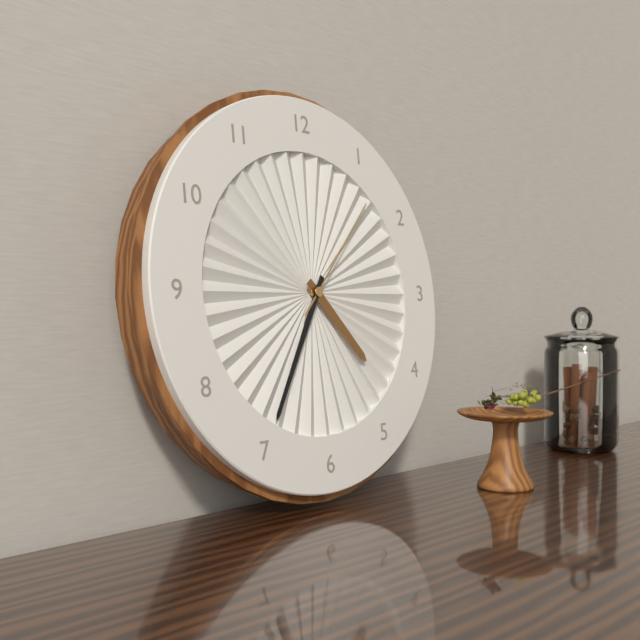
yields h=4 m=35 s=7
